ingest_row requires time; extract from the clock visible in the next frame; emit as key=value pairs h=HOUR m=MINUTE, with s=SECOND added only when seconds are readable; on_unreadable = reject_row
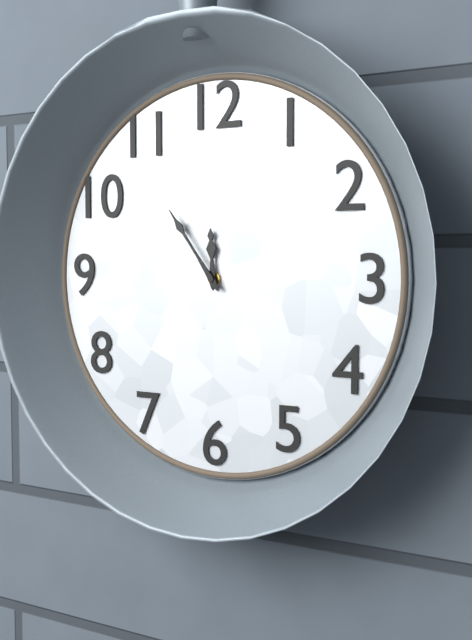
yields h=11 m=54
